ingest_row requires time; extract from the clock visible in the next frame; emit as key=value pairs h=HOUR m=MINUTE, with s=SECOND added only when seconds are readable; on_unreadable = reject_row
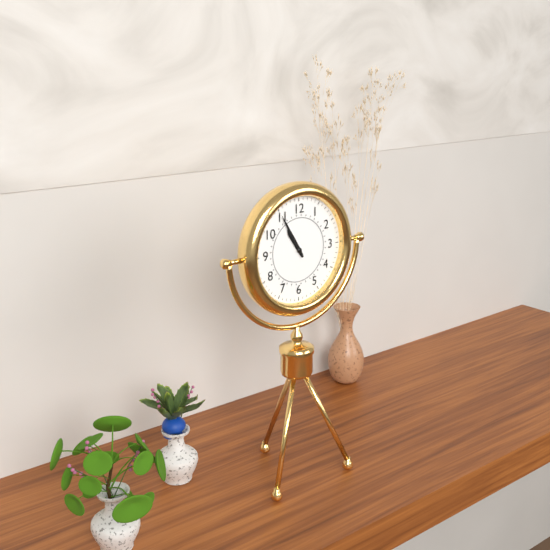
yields h=10 m=55
